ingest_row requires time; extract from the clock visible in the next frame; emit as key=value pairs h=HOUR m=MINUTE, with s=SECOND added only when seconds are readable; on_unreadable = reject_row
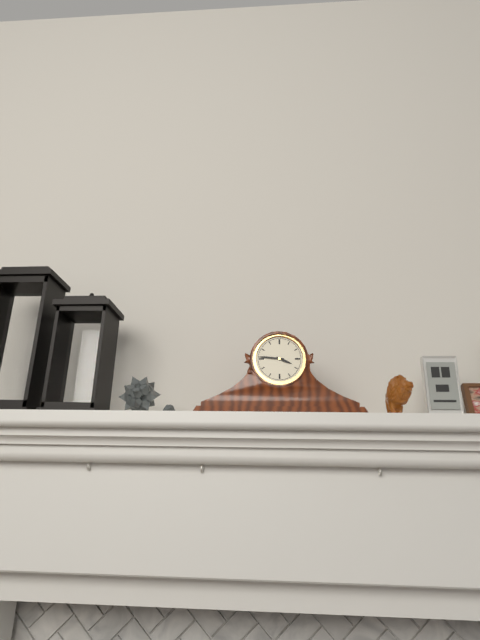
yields h=3 m=46
